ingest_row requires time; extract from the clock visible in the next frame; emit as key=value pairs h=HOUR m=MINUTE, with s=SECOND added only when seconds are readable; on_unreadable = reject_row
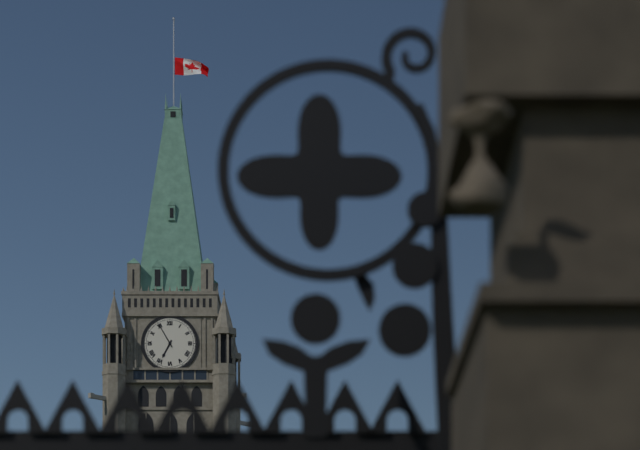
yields h=6 m=55
